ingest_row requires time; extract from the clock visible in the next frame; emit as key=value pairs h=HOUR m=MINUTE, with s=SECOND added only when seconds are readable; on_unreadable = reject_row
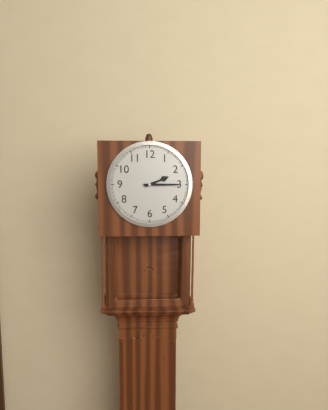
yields h=2 m=15
